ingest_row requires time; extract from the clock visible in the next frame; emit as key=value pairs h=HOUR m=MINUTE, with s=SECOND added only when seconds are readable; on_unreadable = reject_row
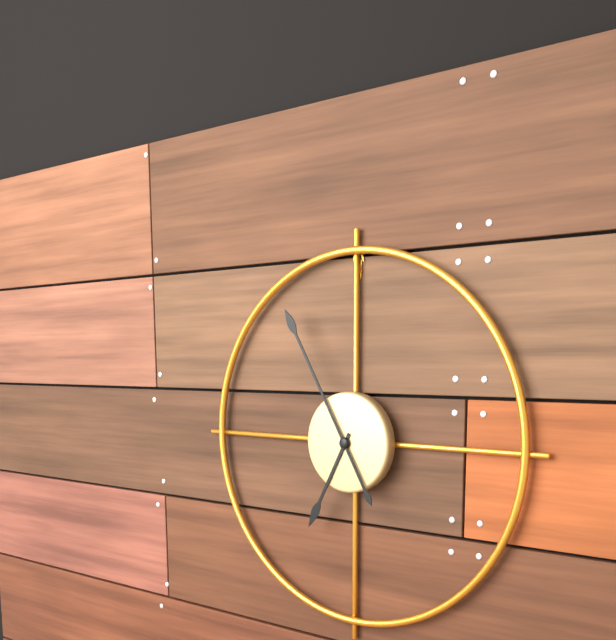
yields h=6 m=55
